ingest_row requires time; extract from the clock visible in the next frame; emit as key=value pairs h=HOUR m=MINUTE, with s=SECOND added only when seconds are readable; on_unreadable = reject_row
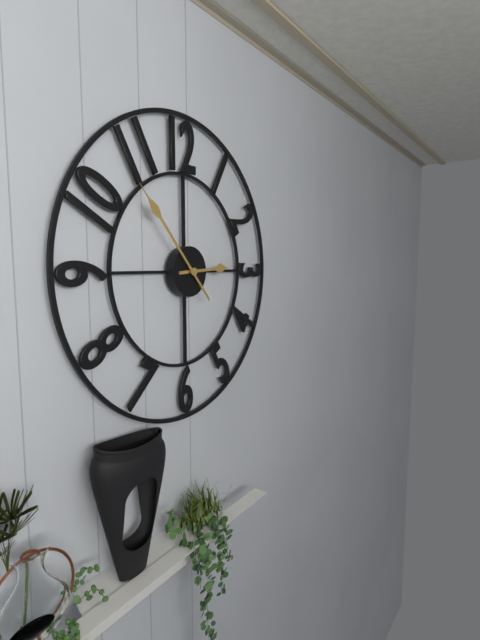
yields h=2 m=53
